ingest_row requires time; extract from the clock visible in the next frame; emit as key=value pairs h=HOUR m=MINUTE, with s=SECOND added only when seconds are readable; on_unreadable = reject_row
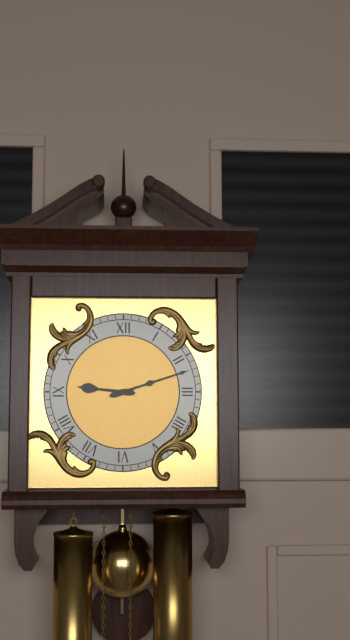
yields h=9 m=12
